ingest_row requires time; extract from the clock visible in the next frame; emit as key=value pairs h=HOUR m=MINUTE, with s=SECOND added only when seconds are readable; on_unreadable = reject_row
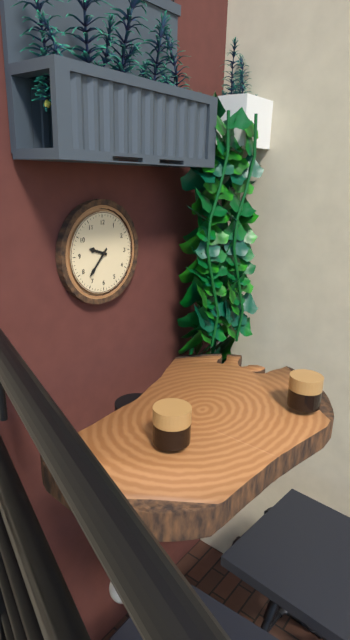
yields h=9 m=37
